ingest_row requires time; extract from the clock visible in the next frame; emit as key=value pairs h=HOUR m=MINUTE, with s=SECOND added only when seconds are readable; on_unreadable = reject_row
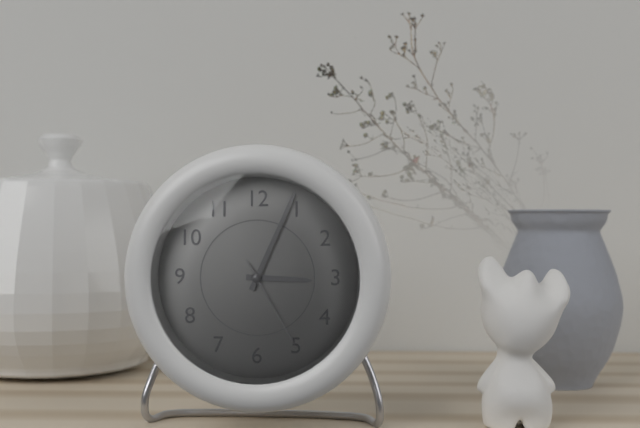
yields h=3 m=4 s=25
